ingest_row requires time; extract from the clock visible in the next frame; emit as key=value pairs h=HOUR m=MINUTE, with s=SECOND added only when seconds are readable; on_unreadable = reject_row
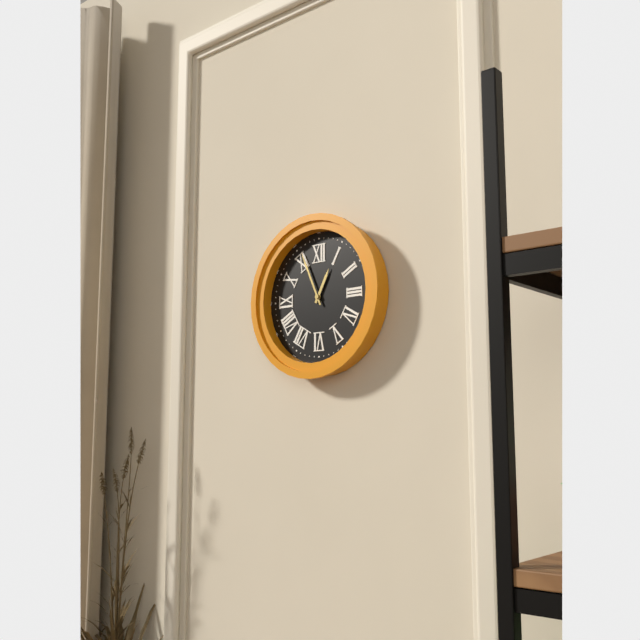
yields h=12 m=56
